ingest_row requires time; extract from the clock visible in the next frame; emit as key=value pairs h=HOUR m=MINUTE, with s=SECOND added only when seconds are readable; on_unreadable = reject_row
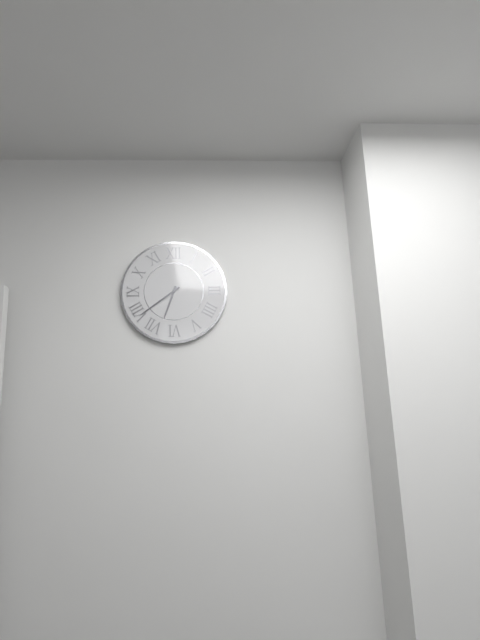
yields h=6 m=39
